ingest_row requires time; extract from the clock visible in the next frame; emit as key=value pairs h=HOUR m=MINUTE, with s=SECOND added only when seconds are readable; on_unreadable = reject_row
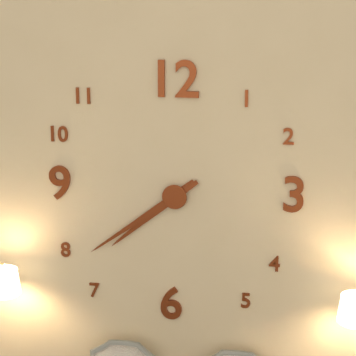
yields h=7 m=39
